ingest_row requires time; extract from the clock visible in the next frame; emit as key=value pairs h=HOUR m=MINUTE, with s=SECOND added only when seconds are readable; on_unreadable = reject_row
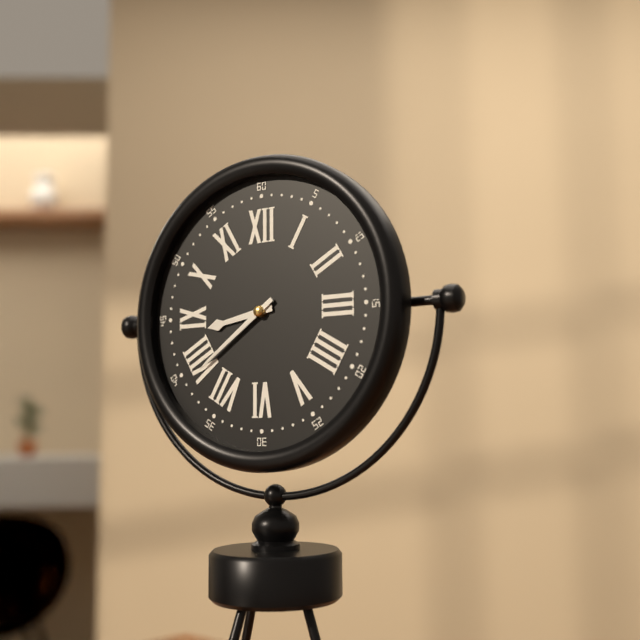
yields h=8 m=39
